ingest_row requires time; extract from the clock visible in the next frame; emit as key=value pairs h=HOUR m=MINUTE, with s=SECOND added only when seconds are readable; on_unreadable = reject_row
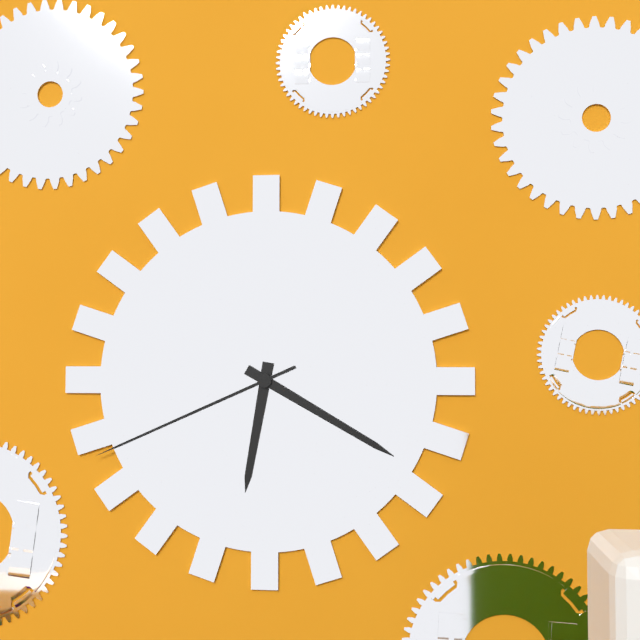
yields h=6 m=20 s=41
